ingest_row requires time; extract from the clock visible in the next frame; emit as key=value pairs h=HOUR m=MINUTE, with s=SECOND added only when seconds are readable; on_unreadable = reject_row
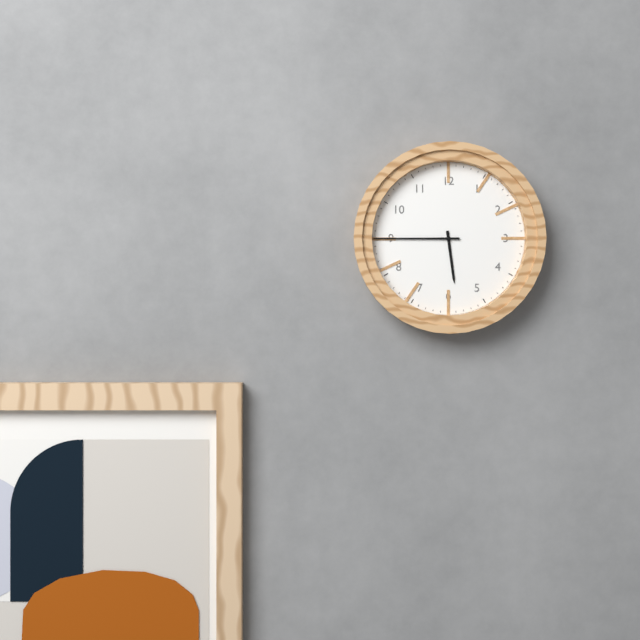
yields h=5 m=45
